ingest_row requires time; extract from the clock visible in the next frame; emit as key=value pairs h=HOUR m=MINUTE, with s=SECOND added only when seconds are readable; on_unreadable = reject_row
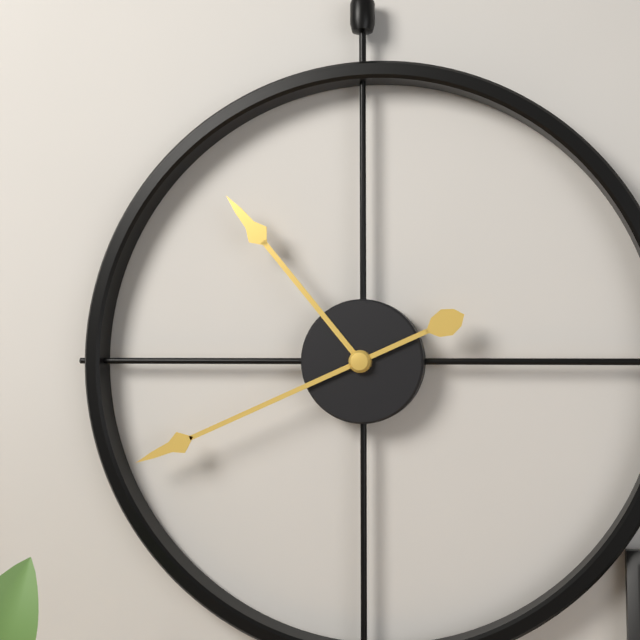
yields h=10 m=41
